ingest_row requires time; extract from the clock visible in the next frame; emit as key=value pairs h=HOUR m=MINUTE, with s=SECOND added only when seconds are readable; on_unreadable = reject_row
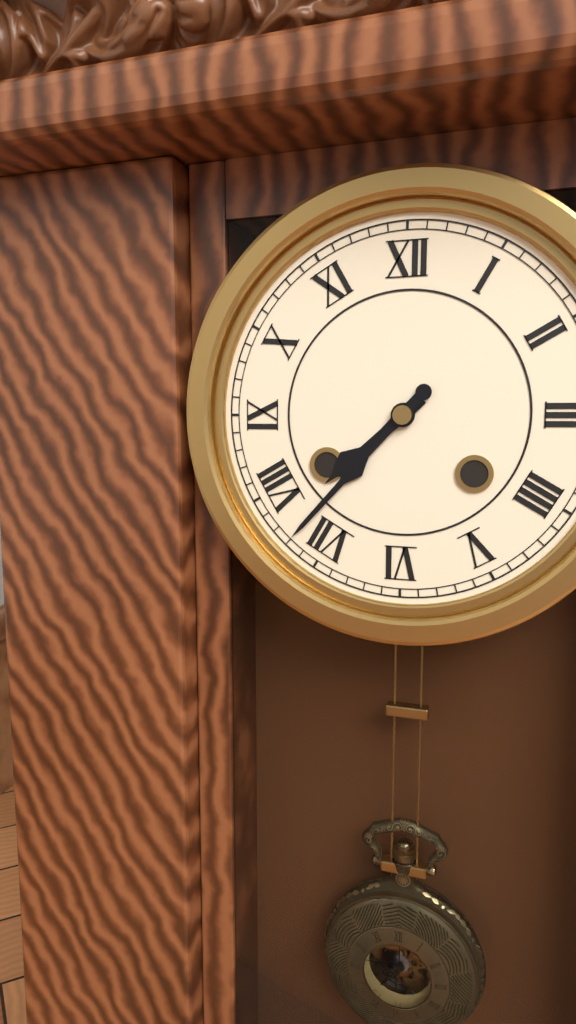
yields h=7 m=37
